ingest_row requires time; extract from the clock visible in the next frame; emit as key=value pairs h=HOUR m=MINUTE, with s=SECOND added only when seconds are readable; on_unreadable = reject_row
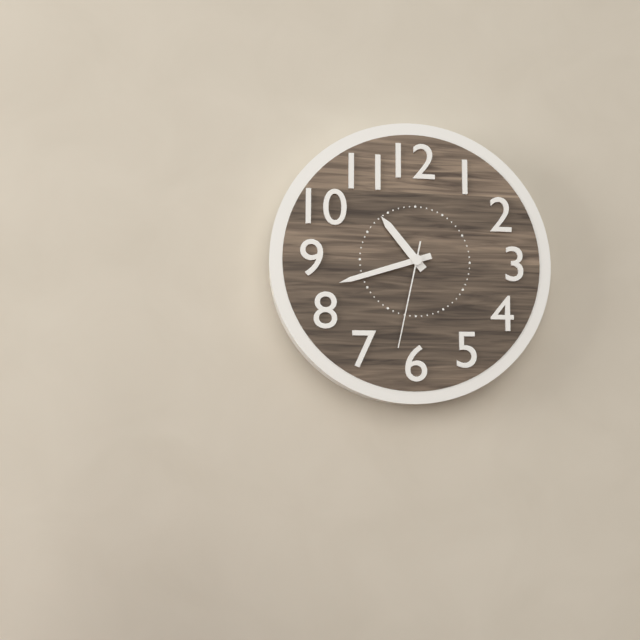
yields h=10 m=42 s=32
